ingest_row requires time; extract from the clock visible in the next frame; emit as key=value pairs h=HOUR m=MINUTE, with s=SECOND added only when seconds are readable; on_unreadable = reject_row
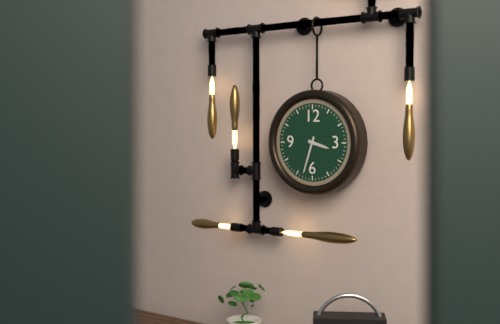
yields h=3 m=33
